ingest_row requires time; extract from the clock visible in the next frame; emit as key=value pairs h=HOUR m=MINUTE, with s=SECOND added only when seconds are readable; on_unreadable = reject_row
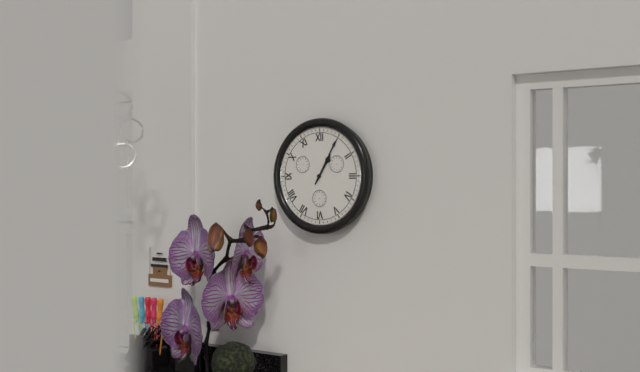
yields h=1 m=5
